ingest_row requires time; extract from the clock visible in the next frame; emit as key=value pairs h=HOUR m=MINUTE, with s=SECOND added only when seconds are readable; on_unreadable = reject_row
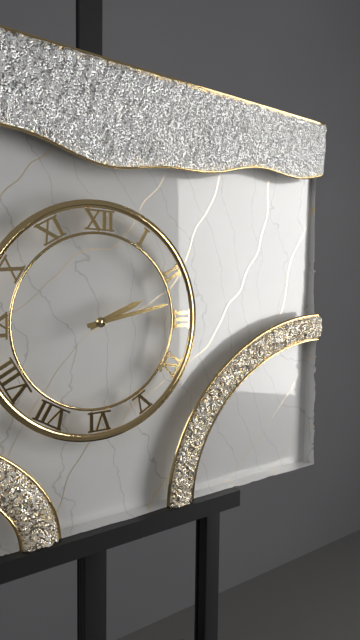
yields h=2 m=13
